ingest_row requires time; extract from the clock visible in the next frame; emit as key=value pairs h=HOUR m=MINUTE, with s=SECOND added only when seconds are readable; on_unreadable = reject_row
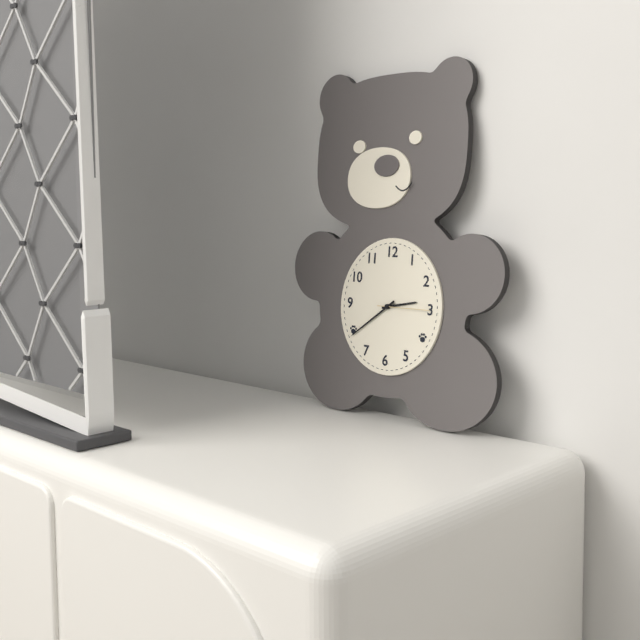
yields h=2 m=39 s=15
